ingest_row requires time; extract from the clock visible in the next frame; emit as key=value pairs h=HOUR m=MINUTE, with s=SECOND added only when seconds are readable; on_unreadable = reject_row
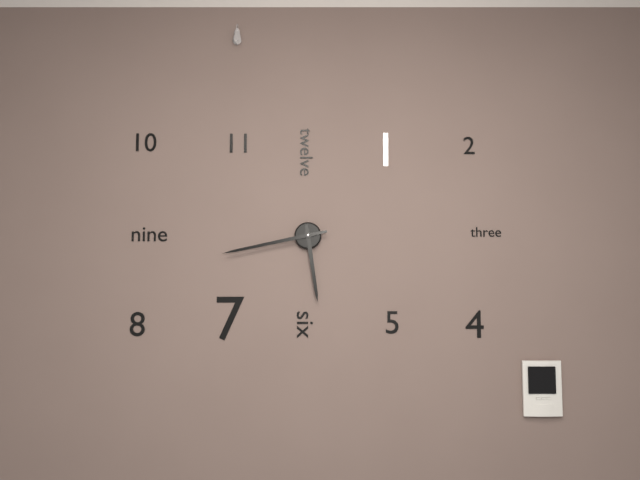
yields h=5 m=43
